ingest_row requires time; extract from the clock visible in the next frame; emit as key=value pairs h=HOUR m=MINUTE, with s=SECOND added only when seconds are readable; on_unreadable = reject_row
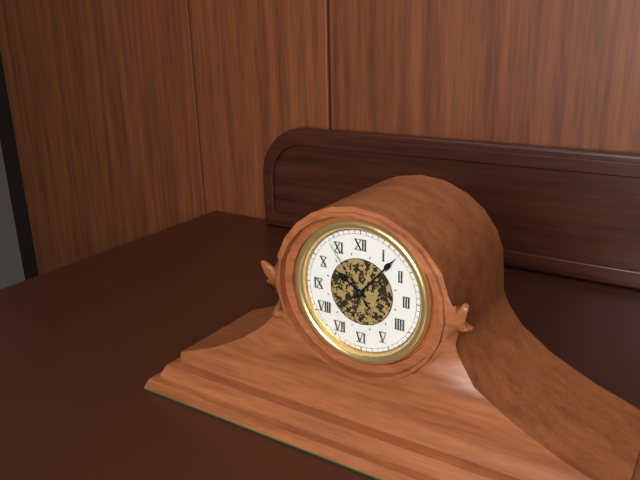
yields h=10 m=7 s=54
